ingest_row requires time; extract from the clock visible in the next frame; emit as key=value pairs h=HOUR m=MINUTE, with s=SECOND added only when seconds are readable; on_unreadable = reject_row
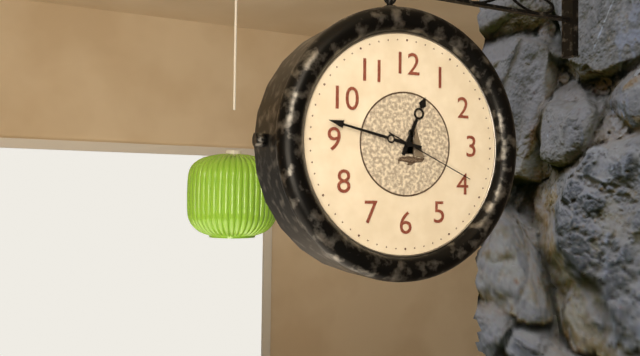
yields h=12 m=47 s=19
